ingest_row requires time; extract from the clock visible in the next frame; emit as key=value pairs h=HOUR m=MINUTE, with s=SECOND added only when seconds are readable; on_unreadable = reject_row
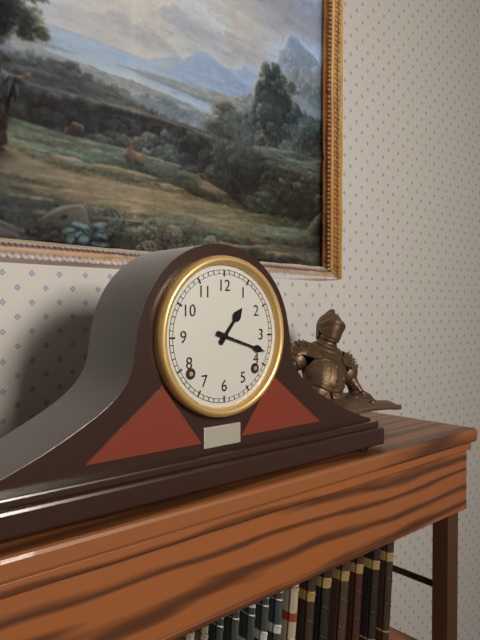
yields h=1 m=18
